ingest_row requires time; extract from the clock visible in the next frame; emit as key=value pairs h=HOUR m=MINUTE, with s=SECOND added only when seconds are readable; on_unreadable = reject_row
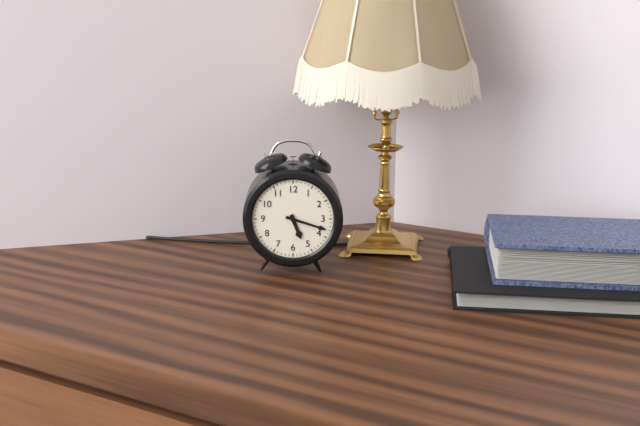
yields h=5 m=18
